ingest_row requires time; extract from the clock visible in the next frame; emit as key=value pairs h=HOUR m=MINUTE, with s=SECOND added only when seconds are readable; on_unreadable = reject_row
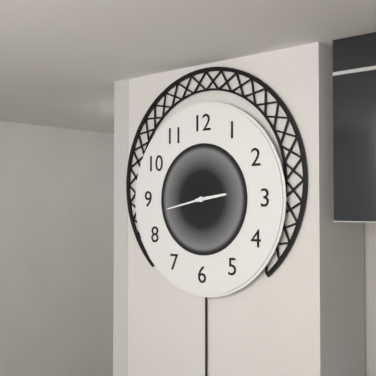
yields h=2 m=43
